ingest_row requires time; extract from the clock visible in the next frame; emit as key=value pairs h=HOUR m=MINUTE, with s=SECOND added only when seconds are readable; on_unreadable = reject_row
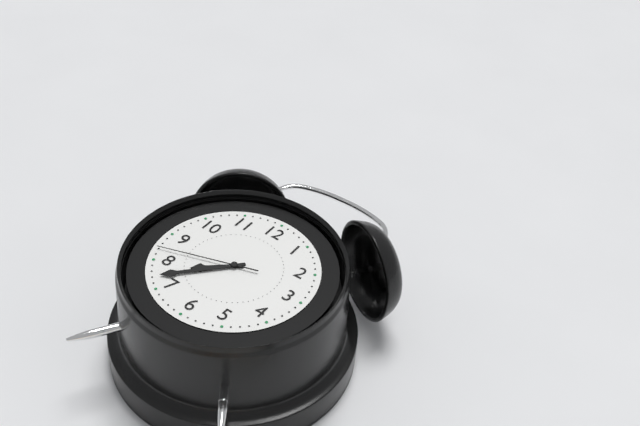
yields h=7 m=37 s=42
